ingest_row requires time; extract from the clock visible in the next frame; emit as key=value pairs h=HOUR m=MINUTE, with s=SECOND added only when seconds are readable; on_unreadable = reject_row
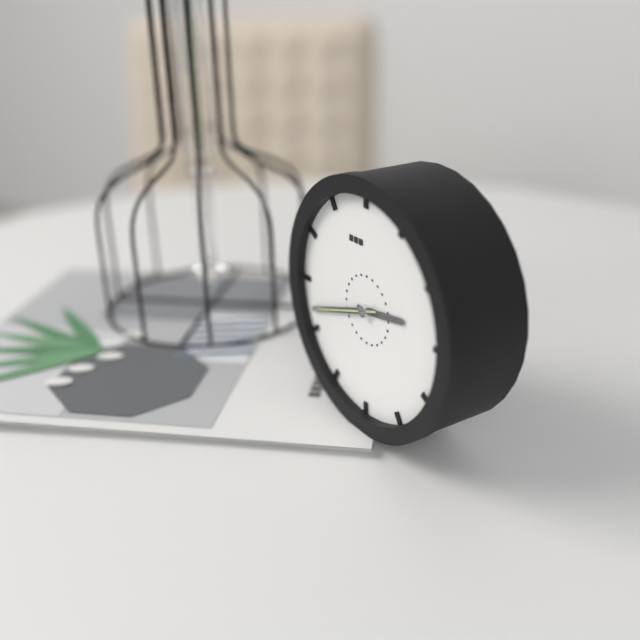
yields h=2 m=42 s=42
